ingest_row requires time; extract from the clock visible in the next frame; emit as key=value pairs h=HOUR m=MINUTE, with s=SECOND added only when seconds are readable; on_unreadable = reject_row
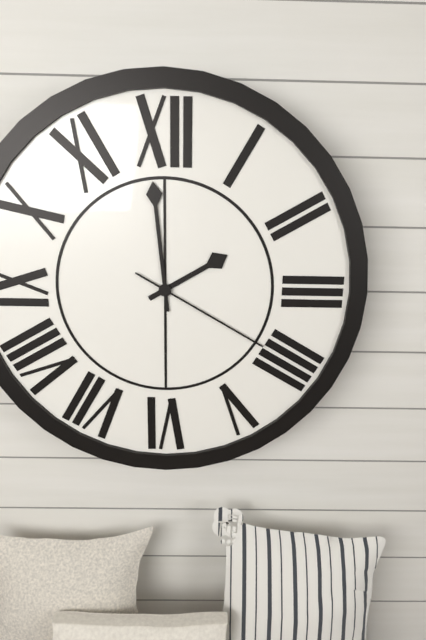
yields h=1 m=59 s=20
